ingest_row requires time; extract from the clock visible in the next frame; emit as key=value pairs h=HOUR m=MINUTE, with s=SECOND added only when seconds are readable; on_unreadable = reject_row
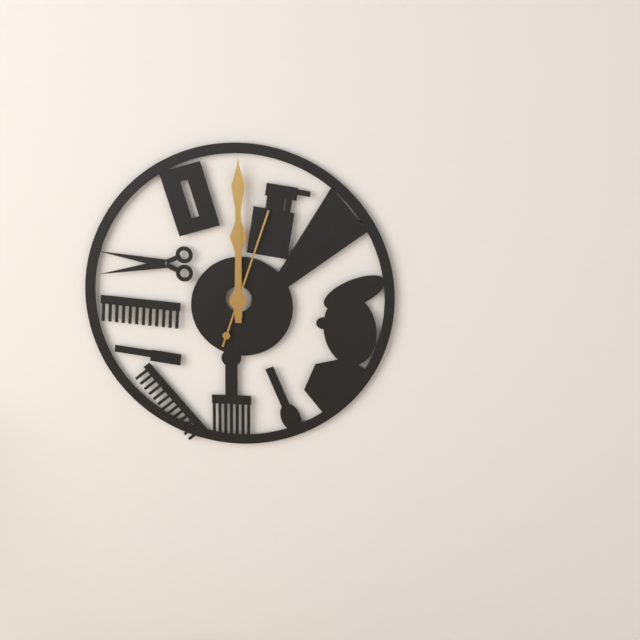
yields h=12 m=0 s=3
